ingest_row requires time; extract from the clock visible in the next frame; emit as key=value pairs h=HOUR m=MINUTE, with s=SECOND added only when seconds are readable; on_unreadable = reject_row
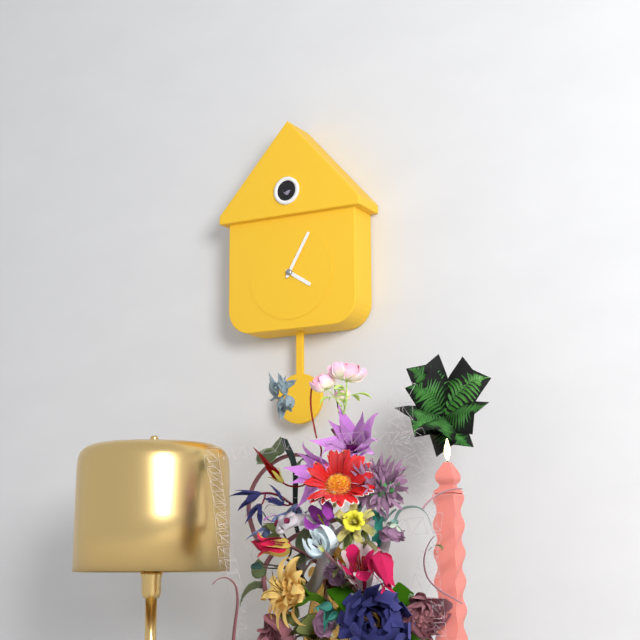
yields h=4 m=5
